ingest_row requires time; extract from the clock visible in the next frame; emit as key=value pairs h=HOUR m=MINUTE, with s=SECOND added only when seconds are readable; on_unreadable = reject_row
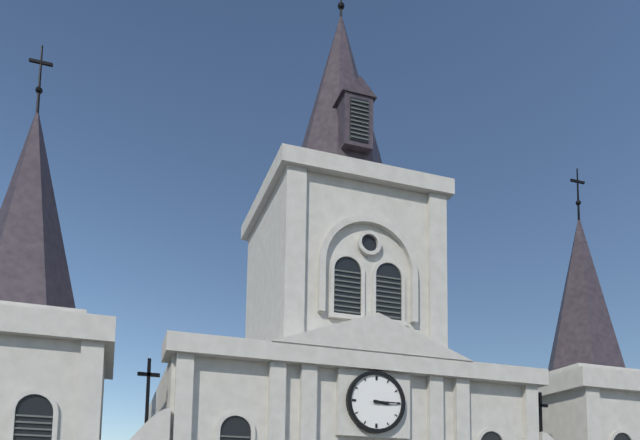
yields h=3 m=15
